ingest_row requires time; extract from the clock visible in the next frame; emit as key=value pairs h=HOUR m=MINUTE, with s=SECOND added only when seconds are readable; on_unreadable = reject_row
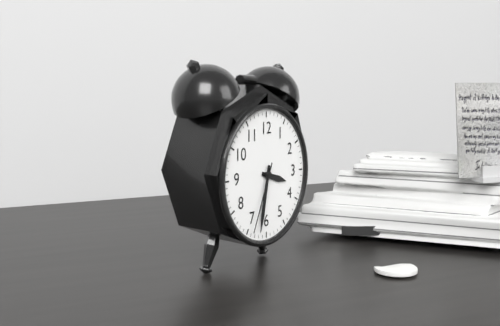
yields h=3 m=32 s=34
